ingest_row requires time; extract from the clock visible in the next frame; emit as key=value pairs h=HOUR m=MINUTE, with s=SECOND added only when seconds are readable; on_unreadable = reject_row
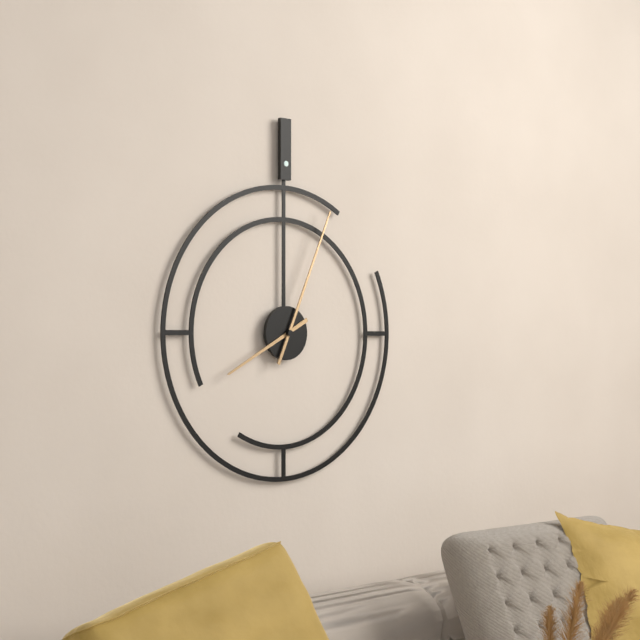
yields h=8 m=4
